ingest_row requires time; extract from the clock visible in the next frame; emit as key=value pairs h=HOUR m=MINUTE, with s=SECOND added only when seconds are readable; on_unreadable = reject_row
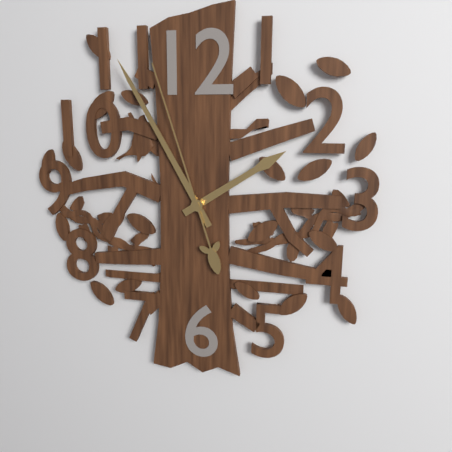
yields h=1 m=55 s=57
